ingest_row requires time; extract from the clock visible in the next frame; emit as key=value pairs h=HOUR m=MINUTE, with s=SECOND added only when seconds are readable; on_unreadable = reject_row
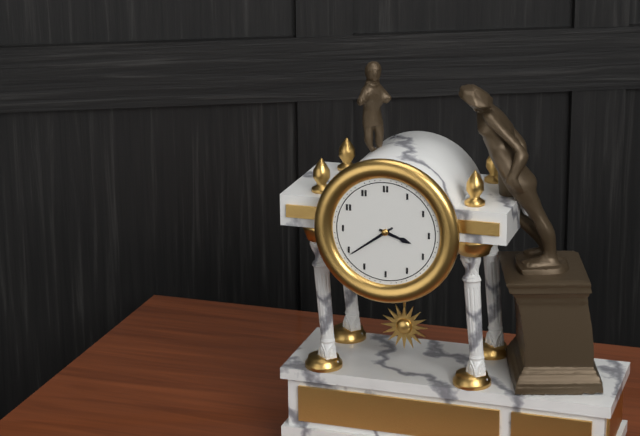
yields h=3 m=39
